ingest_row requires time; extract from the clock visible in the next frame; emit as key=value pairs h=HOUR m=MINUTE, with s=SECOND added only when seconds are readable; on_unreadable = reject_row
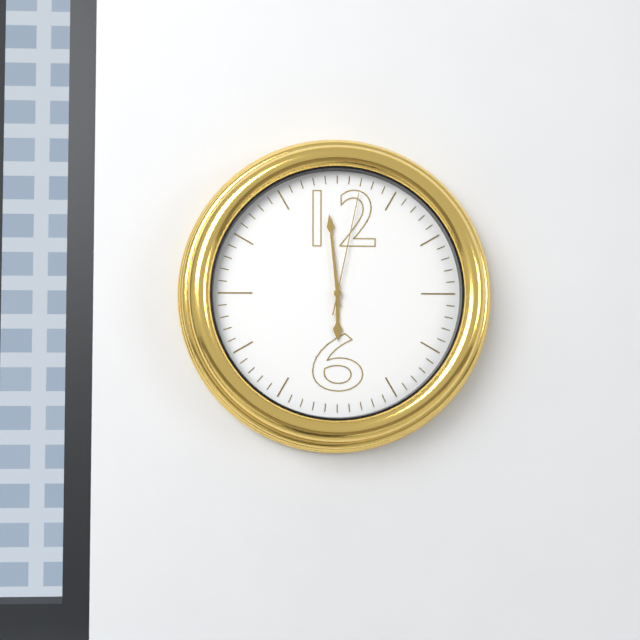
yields h=5 m=59 s=2
